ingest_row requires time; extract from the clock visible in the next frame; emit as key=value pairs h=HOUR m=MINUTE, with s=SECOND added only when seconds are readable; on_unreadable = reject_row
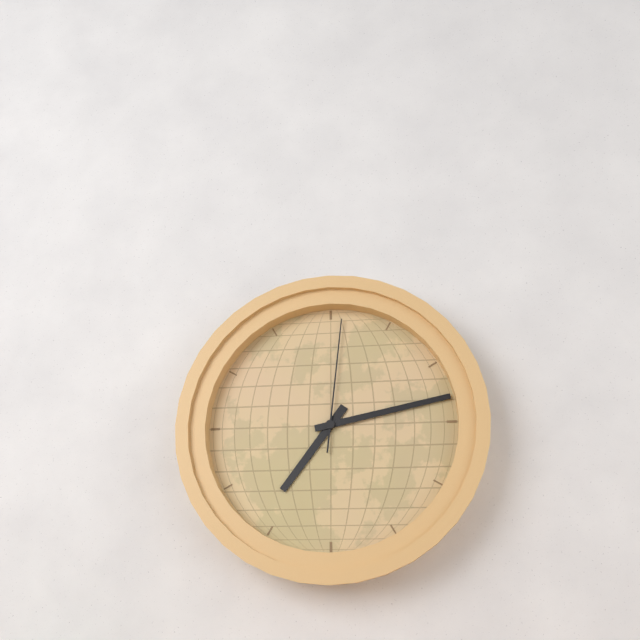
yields h=7 m=13 s=1
